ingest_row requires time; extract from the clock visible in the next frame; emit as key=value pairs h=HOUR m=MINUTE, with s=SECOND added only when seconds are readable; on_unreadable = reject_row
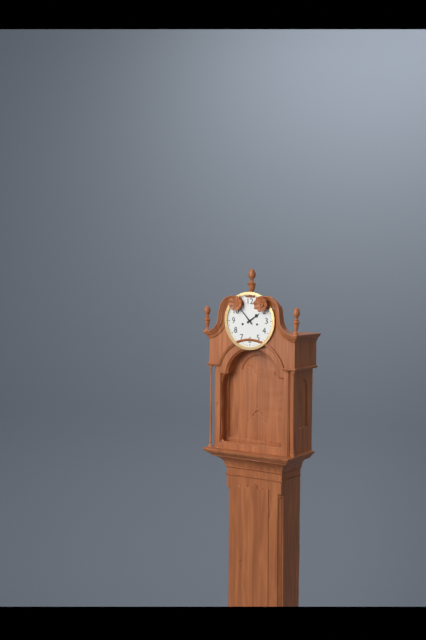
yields h=1 m=53
